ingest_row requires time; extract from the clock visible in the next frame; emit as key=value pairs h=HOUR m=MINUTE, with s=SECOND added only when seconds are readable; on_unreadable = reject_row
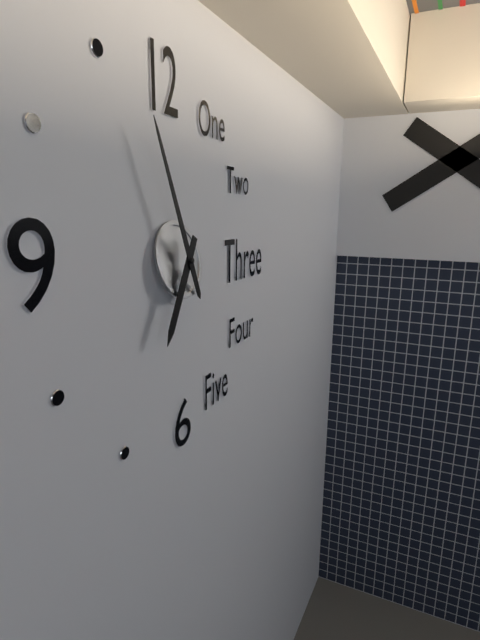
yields h=6 m=56
